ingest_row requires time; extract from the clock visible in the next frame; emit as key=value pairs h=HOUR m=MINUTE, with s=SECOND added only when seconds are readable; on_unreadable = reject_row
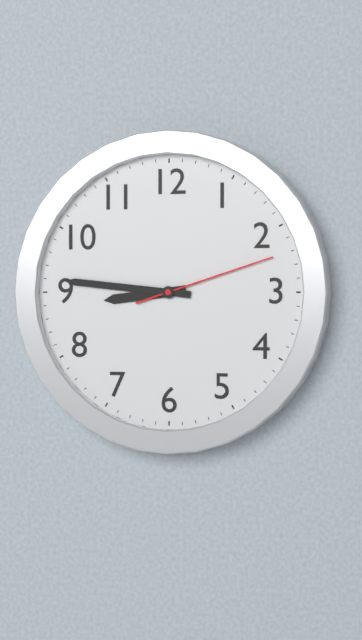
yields h=8 m=46 s=12
